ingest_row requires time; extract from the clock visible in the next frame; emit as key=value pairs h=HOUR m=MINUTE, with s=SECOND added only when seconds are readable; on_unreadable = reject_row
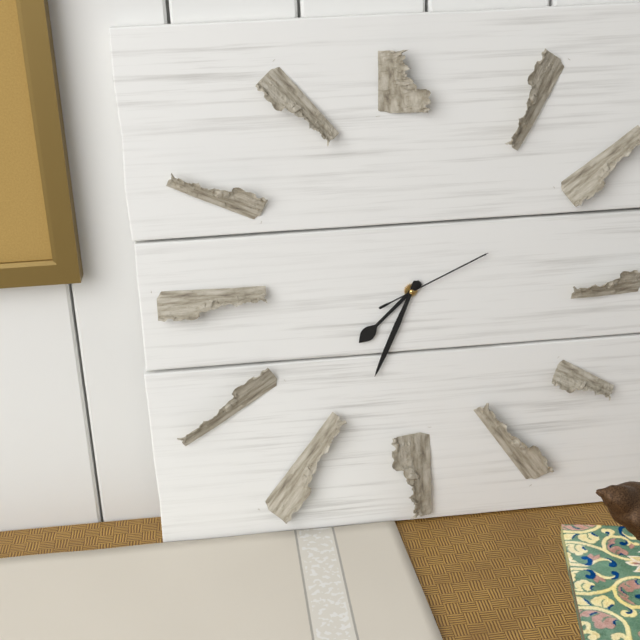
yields h=7 m=34 s=11
